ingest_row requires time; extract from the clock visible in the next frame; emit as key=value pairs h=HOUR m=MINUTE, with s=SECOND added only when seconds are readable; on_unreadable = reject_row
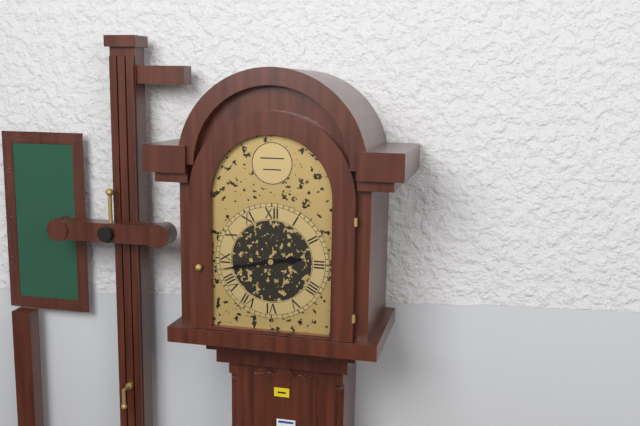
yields h=2 m=43
